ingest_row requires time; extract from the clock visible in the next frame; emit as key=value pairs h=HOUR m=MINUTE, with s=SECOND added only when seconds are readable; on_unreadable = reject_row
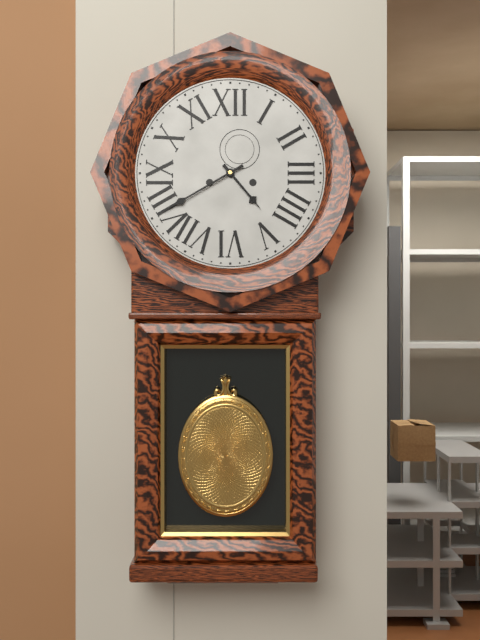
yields h=4 m=40
